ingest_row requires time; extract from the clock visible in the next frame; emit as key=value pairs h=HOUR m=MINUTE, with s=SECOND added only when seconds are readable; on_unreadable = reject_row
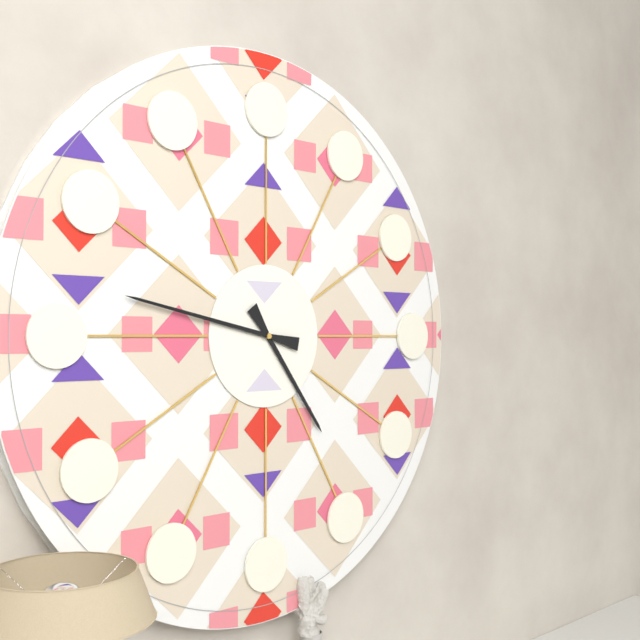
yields h=4 m=47
